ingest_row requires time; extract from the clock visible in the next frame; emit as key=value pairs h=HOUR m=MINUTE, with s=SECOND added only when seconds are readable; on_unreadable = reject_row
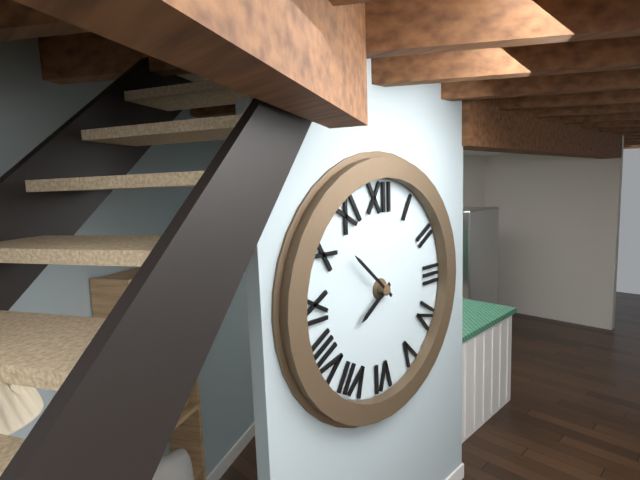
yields h=7 m=52
